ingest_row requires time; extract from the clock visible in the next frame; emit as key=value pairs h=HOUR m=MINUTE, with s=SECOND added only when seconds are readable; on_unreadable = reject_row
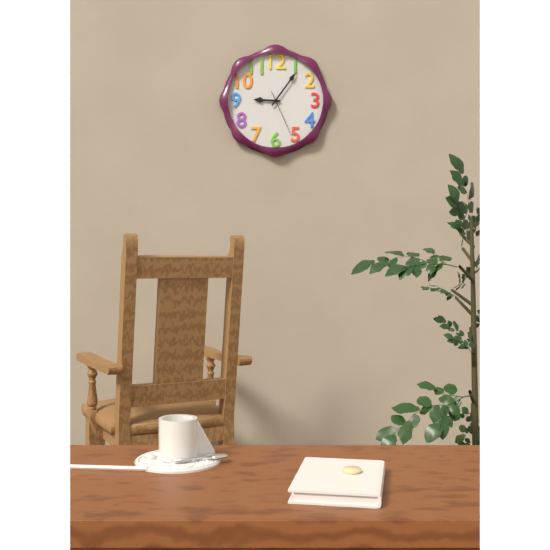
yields h=9 m=6 s=26
